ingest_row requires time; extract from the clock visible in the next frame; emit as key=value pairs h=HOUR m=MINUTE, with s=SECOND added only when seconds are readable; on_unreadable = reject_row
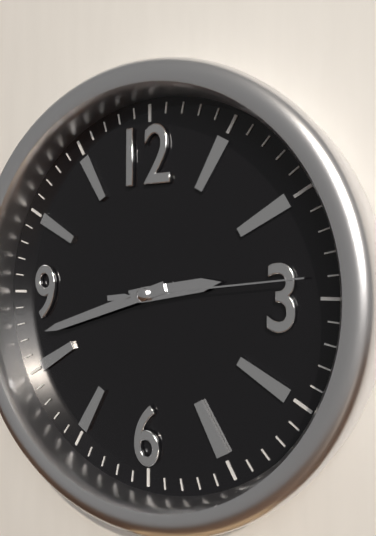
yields h=2 m=42 s=14
